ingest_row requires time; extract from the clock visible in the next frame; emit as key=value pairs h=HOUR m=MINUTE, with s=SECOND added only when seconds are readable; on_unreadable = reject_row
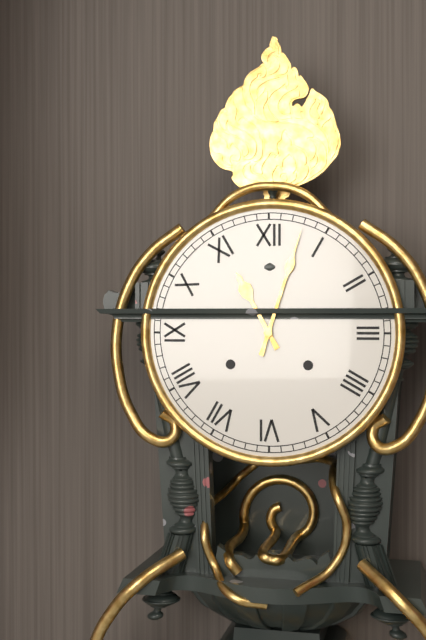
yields h=11 m=3
